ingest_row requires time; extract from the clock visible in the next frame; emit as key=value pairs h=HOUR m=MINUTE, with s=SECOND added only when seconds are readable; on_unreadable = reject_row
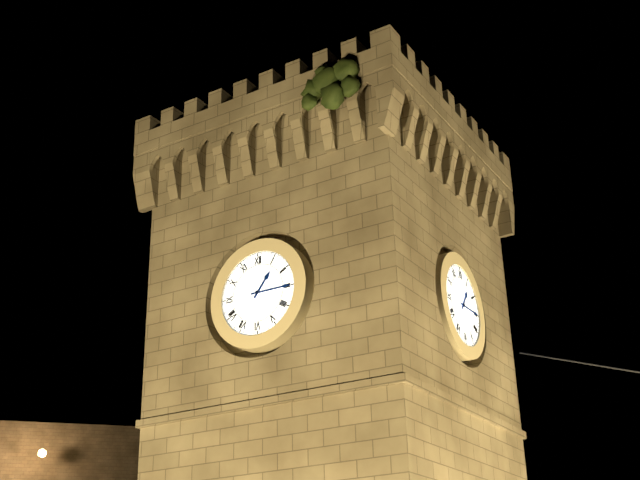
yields h=1 m=15
